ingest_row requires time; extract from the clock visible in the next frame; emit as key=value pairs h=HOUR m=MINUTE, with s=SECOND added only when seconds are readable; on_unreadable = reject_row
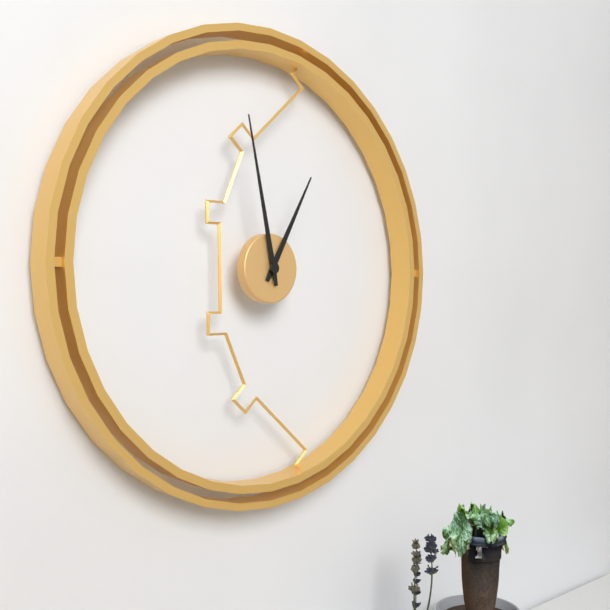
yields h=12 m=58
